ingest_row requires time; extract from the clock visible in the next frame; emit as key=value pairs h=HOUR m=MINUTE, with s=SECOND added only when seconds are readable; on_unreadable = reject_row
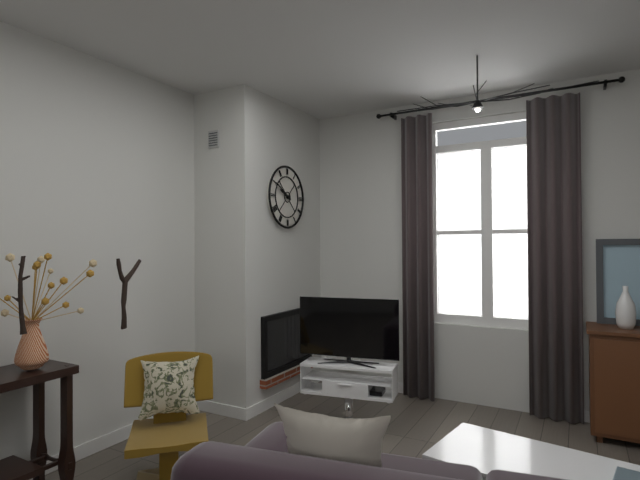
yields h=9 m=50
